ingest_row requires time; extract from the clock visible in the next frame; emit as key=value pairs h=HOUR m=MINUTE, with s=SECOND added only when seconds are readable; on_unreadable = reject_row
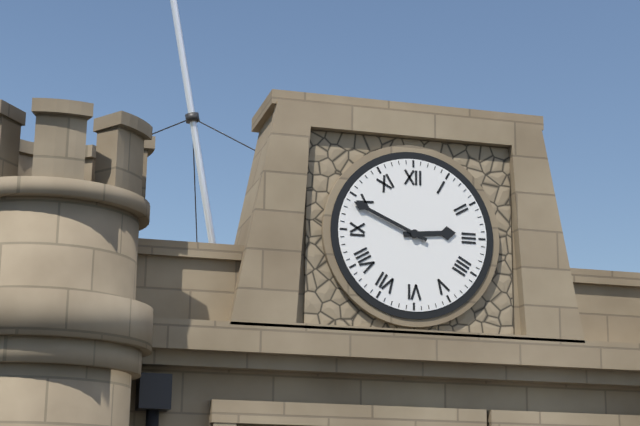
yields h=2 m=49
